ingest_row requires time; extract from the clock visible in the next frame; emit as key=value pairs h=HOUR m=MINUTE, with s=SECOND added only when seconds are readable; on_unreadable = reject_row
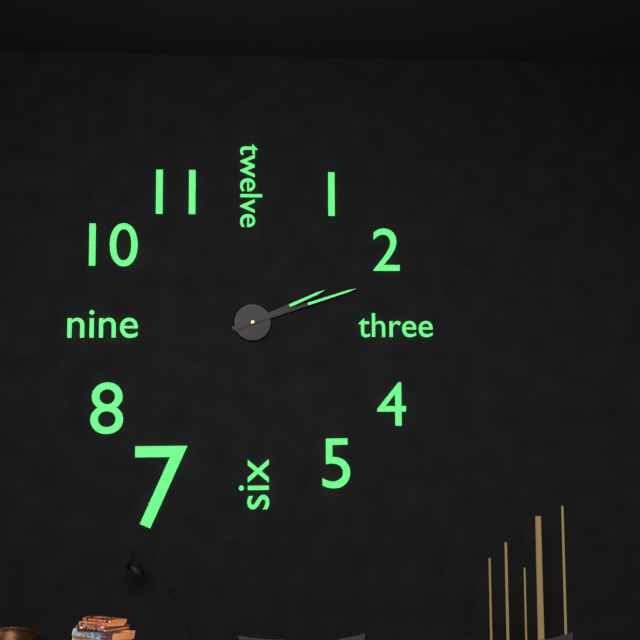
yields h=2 m=12
